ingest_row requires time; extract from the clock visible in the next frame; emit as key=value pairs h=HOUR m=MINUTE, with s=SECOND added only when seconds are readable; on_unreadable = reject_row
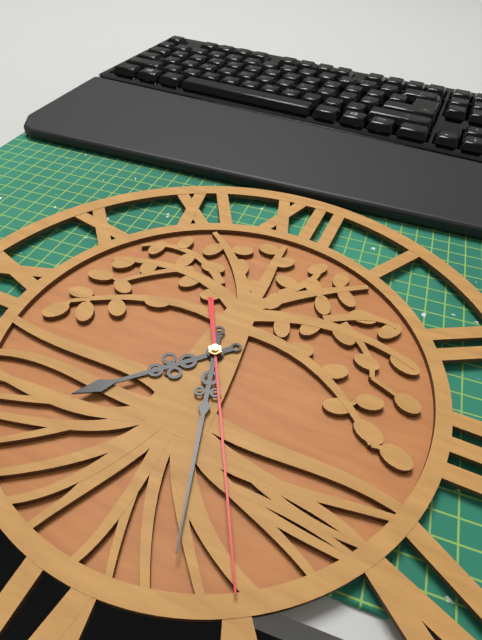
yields h=7 m=27 s=25
